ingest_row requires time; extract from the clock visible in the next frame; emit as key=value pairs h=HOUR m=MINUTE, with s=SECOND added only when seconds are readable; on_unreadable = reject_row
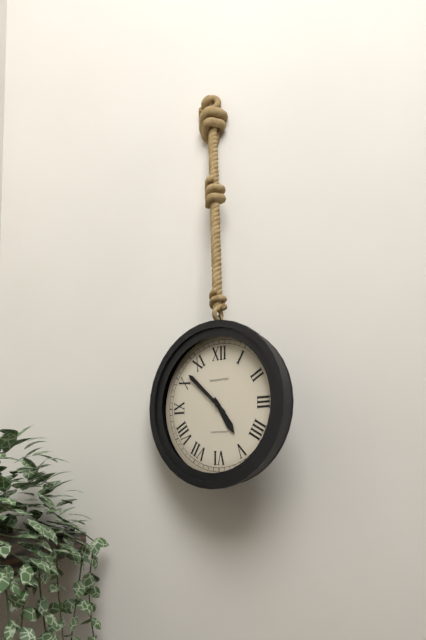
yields h=4 m=52
